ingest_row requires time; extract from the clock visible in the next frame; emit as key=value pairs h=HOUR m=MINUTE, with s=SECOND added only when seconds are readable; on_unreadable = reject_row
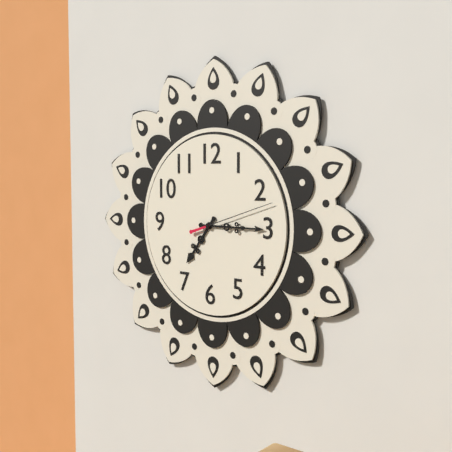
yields h=7 m=15 s=12
